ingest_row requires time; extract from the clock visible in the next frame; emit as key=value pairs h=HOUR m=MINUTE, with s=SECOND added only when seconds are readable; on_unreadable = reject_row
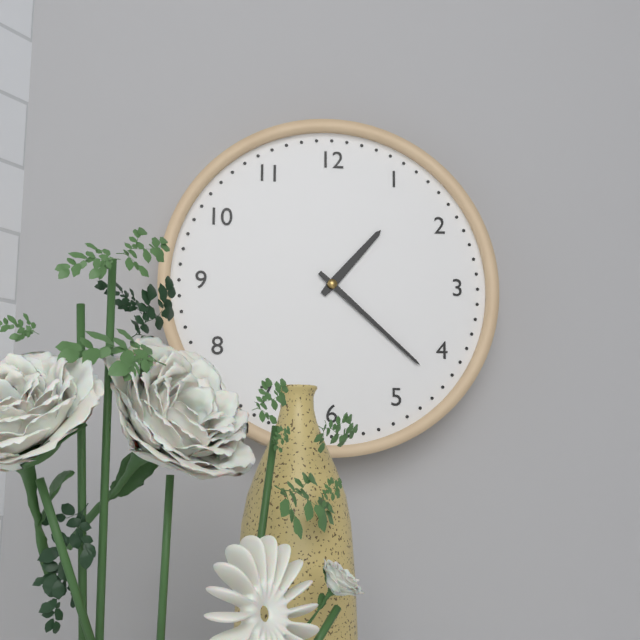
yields h=1 m=22
